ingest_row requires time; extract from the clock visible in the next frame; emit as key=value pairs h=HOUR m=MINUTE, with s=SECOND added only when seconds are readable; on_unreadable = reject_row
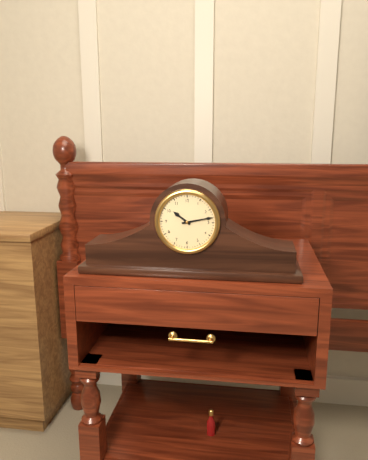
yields h=10 m=13
